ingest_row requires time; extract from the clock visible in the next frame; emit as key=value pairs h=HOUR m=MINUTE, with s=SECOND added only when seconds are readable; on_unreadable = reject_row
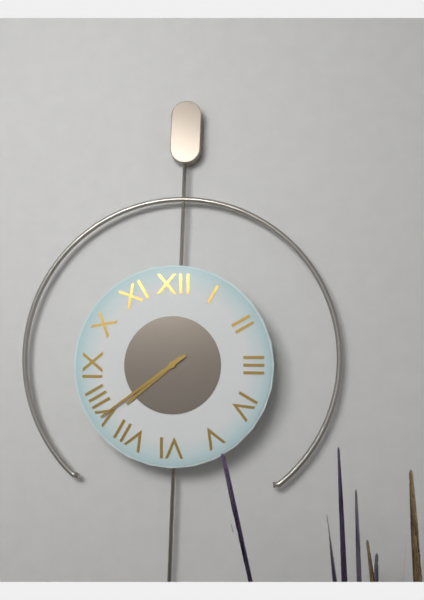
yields h=7 m=39
